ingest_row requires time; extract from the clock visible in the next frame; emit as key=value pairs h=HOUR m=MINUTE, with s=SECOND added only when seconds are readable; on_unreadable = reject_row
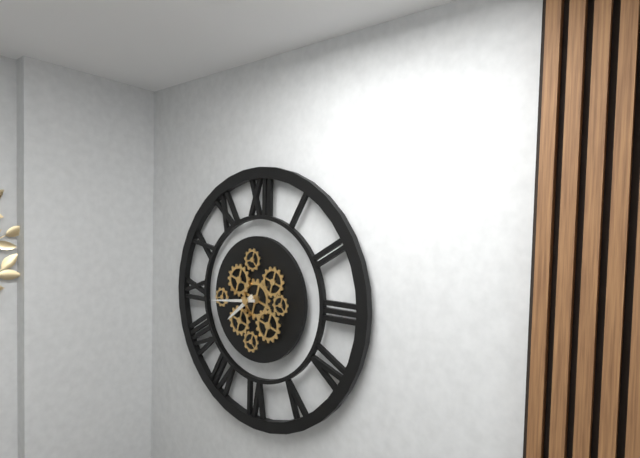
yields h=7 m=44
